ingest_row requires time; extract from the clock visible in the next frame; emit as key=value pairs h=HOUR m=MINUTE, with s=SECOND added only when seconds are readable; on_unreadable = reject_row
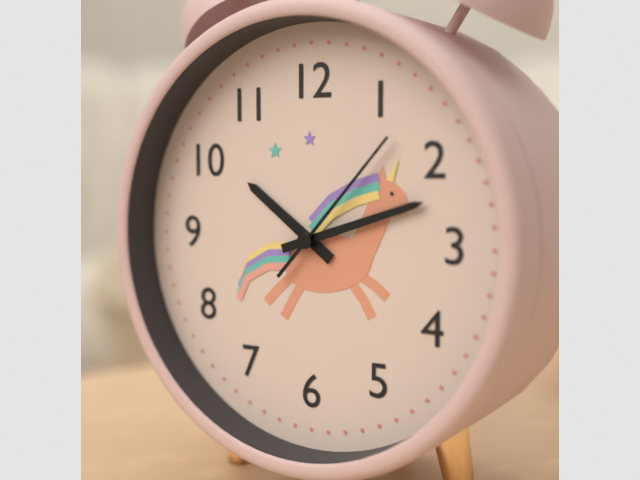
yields h=10 m=12 s=7
